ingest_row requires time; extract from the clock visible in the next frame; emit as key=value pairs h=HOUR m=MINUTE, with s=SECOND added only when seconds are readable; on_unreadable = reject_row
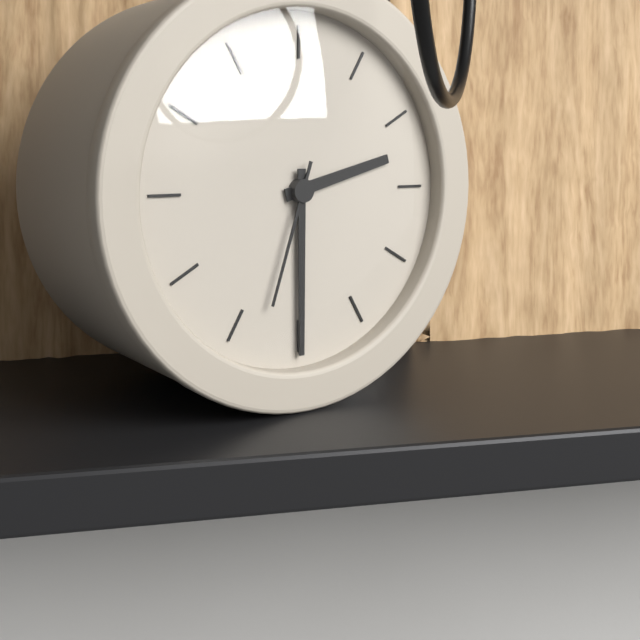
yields h=2 m=30 s=33
